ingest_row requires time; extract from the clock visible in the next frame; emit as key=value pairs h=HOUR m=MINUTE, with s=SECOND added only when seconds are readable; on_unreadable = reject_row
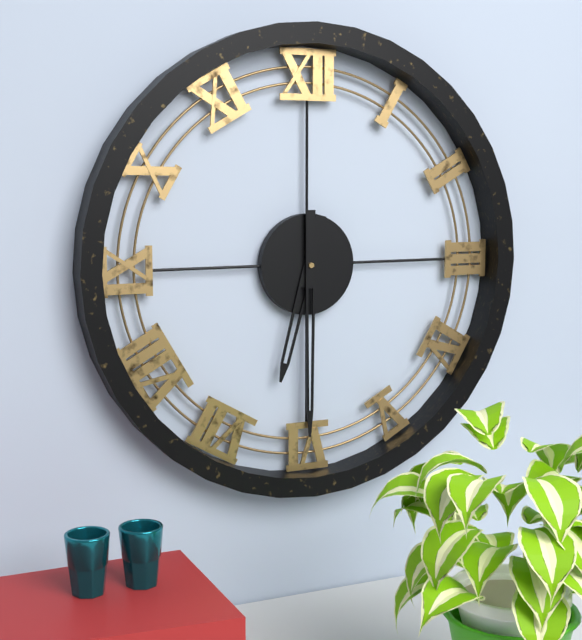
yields h=6 m=30
